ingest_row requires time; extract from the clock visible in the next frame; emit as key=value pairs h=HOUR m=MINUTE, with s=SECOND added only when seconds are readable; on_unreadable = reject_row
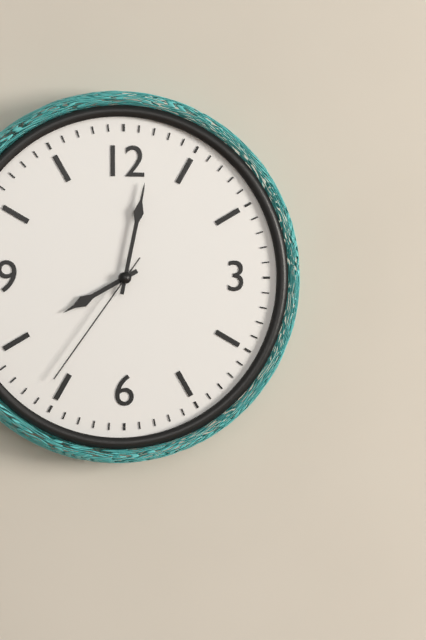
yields h=8 m=2 s=36
